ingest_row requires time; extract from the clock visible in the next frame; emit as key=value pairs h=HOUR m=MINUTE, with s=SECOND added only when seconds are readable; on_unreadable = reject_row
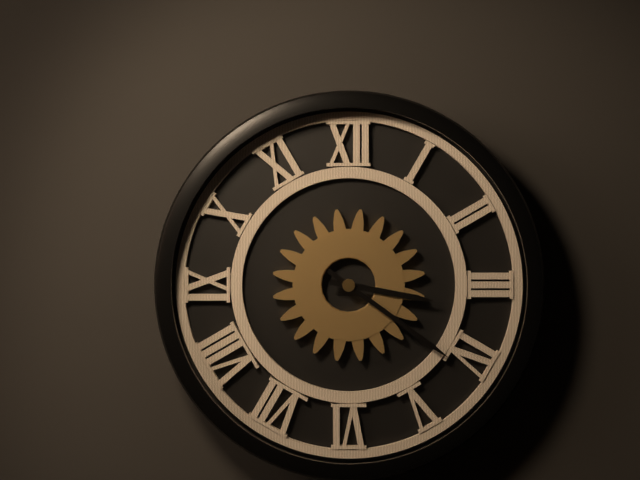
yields h=3 m=21
